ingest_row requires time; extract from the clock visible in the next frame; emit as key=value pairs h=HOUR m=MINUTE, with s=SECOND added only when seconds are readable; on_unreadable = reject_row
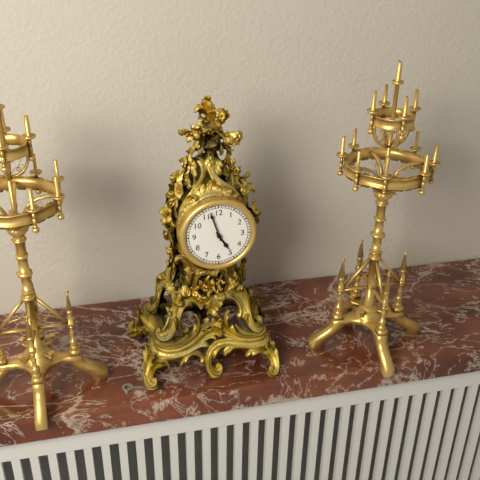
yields h=4 m=57
